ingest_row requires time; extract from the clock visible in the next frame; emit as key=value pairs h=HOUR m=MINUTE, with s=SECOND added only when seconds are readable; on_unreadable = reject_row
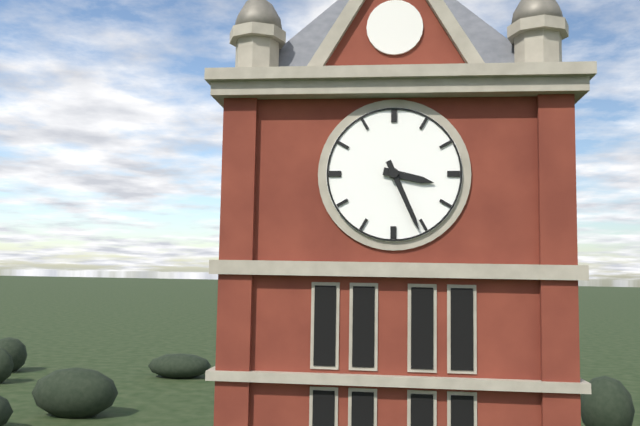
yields h=3 m=26
